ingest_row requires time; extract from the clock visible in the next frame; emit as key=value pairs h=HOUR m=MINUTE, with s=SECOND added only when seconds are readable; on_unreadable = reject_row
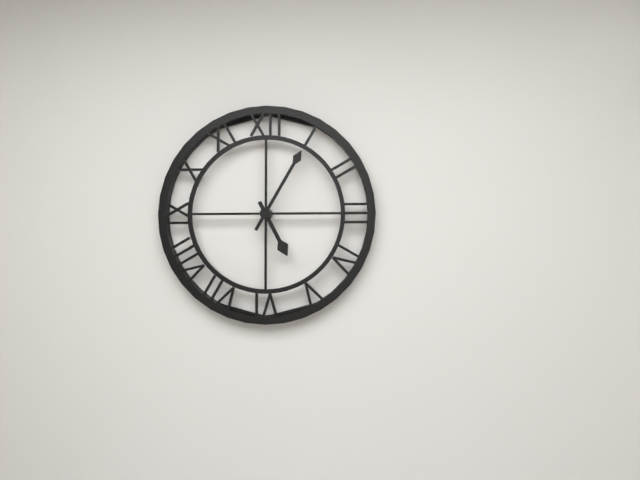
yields h=5 m=5
